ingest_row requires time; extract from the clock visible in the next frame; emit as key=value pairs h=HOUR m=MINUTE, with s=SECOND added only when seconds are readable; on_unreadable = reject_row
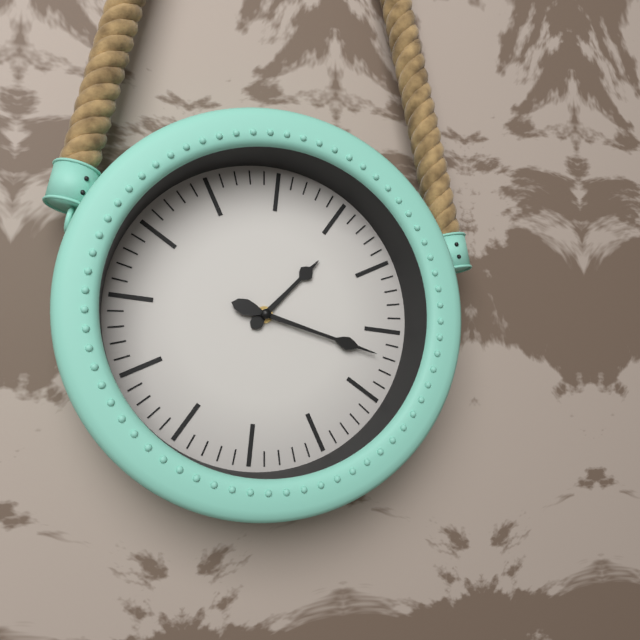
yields h=1 m=17
